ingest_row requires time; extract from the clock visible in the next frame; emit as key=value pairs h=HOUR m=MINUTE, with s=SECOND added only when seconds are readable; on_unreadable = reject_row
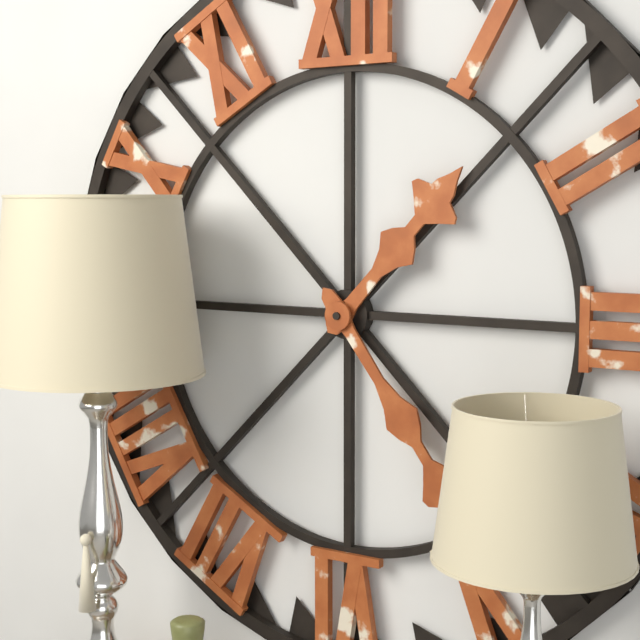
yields h=1 m=24
